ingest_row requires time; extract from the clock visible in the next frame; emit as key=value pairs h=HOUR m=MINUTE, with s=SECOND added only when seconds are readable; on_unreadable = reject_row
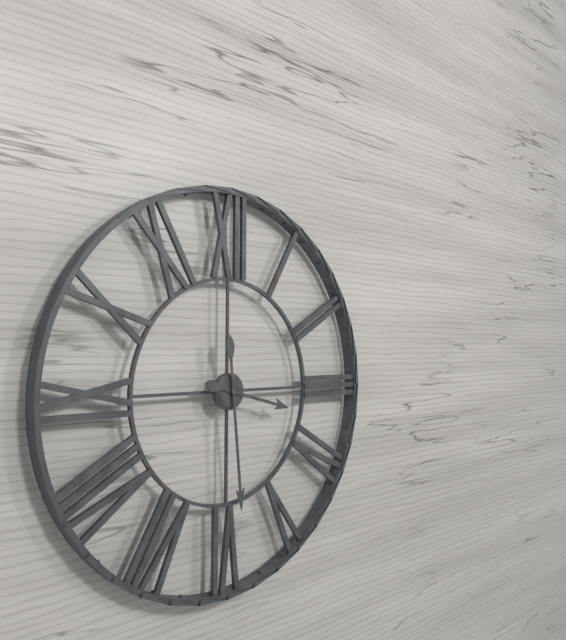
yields h=3 m=29
